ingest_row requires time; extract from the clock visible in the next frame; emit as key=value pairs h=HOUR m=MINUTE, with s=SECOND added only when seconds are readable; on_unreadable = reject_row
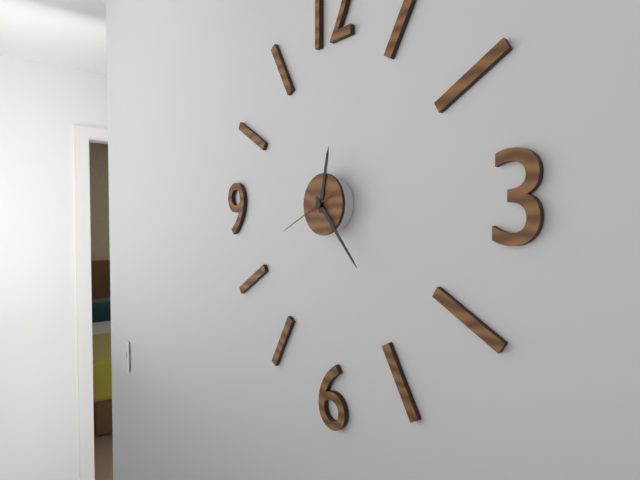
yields h=12 m=23 s=41
